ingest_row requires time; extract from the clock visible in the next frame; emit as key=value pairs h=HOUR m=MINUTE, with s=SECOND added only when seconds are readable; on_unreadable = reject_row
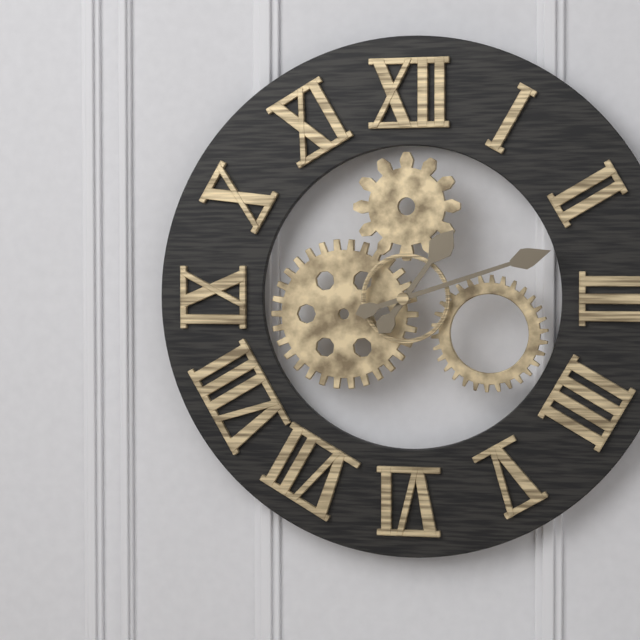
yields h=1 m=12
